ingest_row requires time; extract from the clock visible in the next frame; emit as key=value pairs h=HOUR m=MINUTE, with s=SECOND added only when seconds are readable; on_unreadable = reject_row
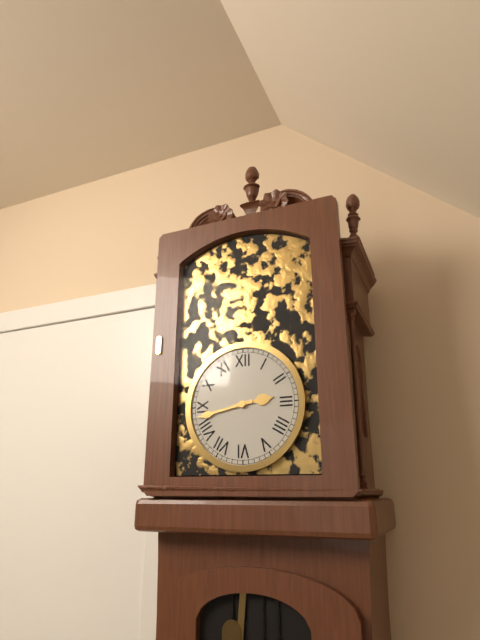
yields h=2 m=43
